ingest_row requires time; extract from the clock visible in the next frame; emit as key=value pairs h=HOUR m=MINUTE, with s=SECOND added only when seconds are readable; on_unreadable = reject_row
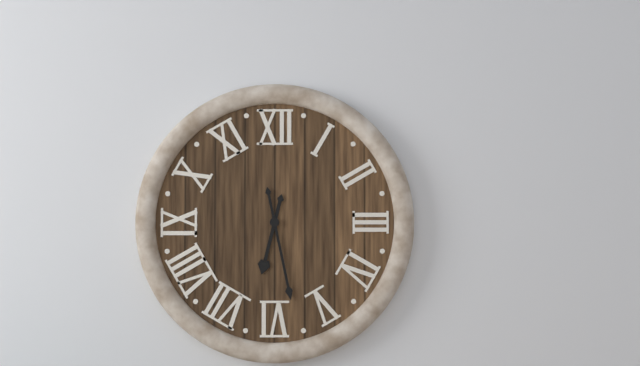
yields h=6 m=28
